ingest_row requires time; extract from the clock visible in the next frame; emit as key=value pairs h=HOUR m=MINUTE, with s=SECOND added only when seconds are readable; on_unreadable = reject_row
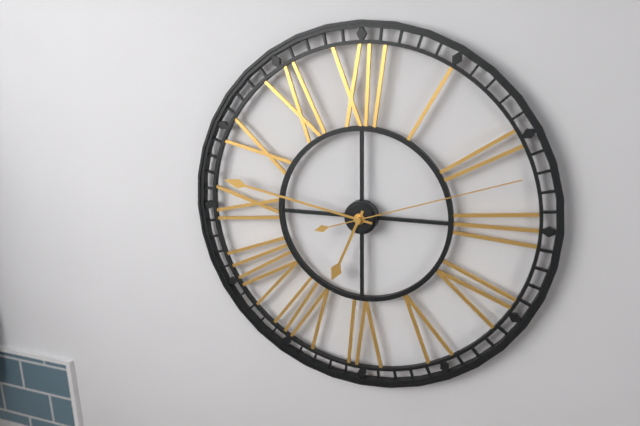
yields h=6 m=47 s=12
